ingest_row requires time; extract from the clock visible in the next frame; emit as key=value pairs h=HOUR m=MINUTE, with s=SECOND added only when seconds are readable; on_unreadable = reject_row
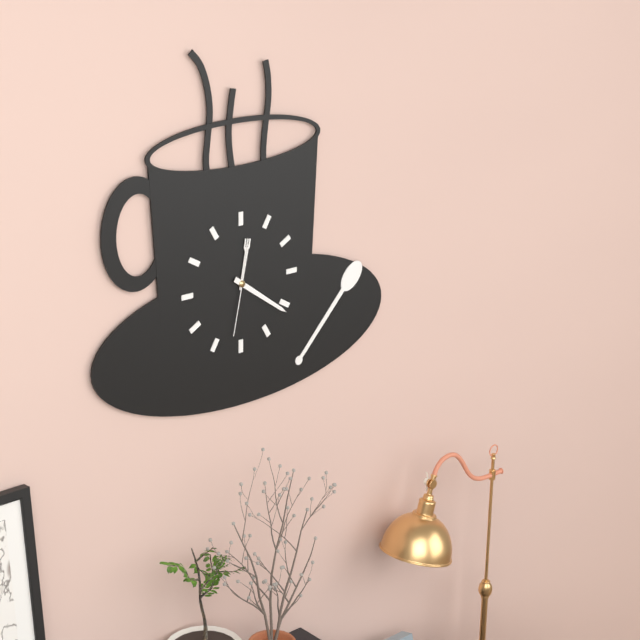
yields h=12 m=21 s=32
